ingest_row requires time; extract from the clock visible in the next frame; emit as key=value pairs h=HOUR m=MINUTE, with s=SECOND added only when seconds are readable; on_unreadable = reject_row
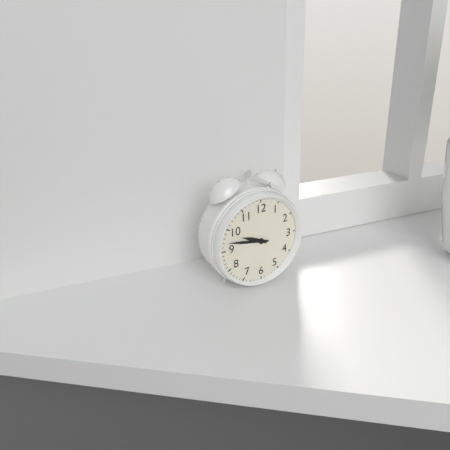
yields h=9 m=47
